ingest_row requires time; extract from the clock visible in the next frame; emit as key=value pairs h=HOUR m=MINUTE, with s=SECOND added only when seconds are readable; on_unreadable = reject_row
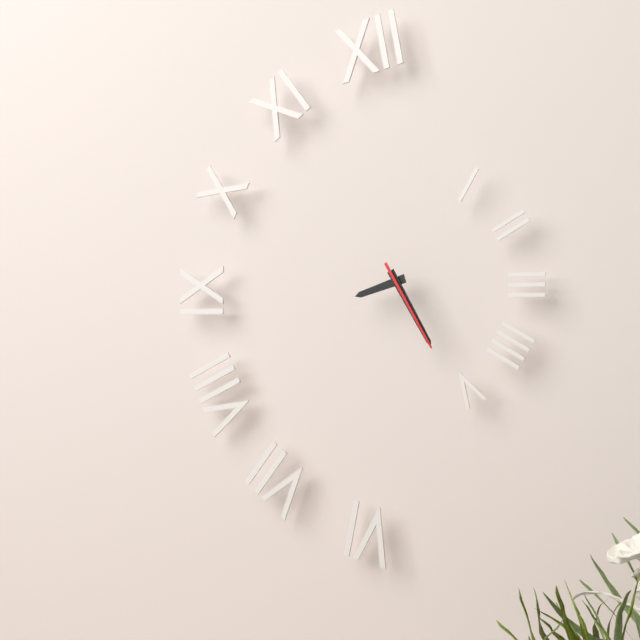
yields h=8 m=25 s=25
